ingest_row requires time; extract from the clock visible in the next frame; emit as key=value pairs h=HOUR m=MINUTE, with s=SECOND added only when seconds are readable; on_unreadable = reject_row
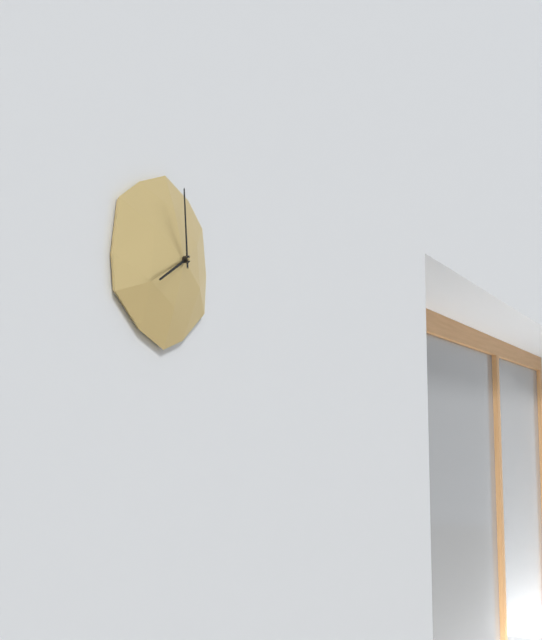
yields h=7 m=59
